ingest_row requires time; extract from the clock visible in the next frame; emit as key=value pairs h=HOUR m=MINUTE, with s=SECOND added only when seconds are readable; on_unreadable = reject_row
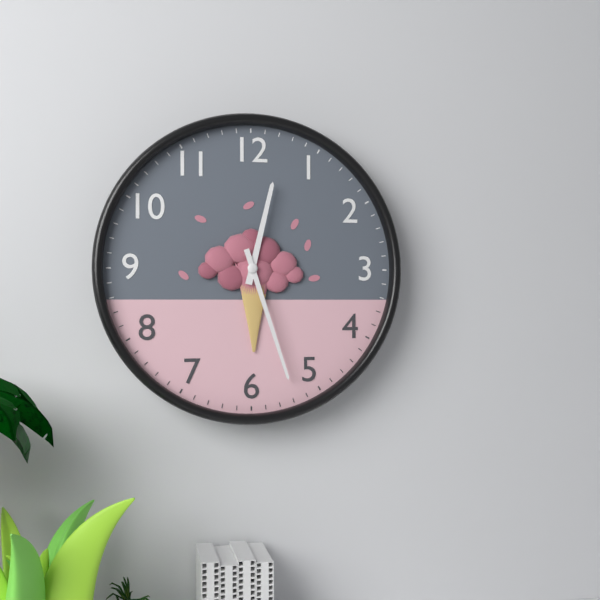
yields h=12 m=27
